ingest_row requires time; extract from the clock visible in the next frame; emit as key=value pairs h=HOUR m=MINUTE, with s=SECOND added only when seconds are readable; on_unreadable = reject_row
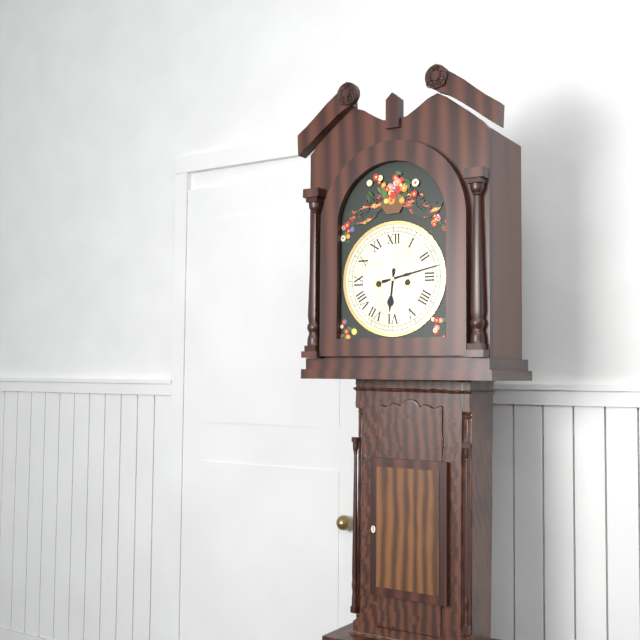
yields h=6 m=13
